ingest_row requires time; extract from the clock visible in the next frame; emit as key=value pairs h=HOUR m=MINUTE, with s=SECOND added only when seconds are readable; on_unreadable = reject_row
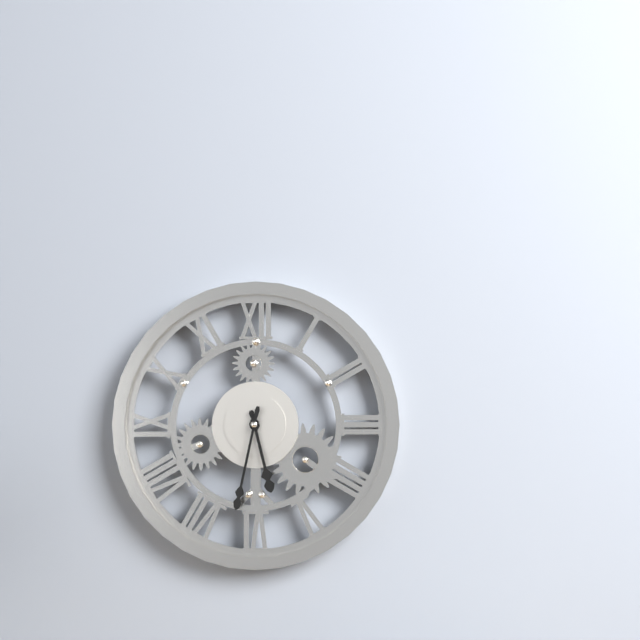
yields h=5 m=32
